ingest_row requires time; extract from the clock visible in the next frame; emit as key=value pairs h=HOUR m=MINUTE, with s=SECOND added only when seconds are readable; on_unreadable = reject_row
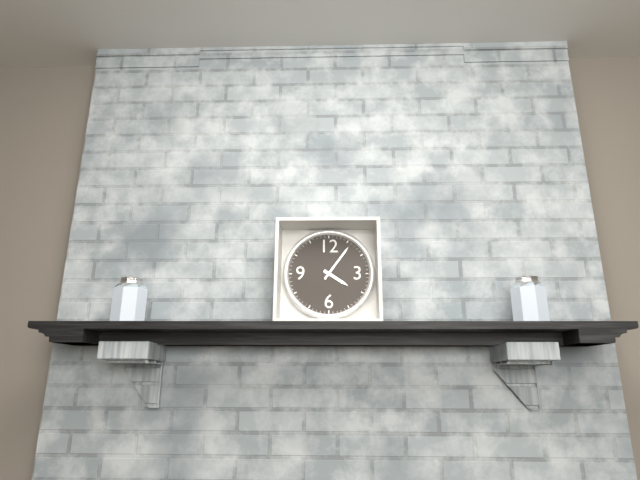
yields h=4 m=6
